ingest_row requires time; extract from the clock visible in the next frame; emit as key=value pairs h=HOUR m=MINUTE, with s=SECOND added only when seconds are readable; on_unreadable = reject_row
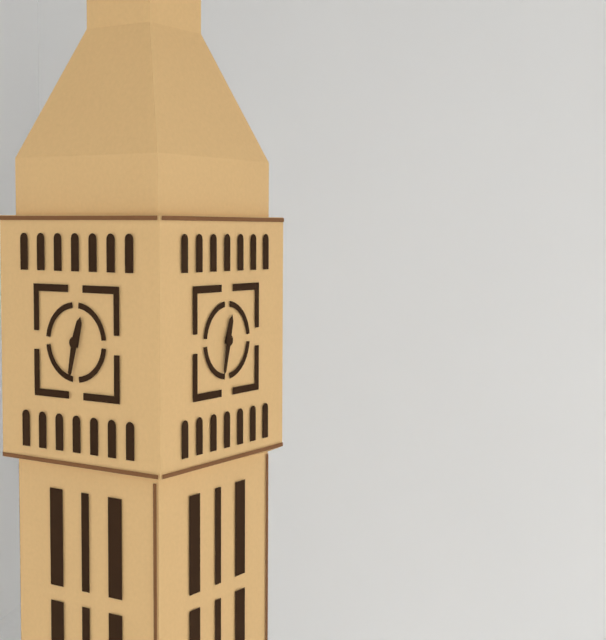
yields h=12 m=32
